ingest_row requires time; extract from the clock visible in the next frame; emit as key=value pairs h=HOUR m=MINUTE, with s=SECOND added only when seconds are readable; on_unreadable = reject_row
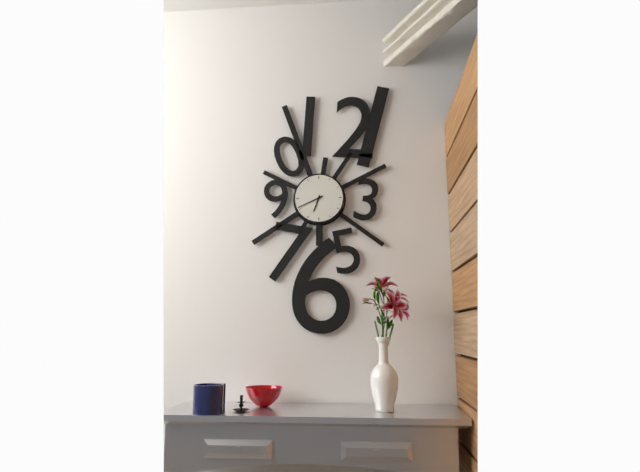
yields h=6 m=41
